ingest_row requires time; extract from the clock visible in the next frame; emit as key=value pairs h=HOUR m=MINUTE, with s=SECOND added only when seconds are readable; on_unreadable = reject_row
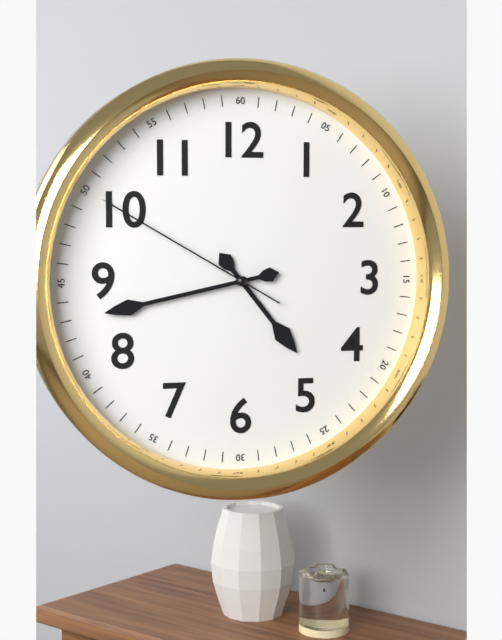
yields h=4 m=43 s=50
